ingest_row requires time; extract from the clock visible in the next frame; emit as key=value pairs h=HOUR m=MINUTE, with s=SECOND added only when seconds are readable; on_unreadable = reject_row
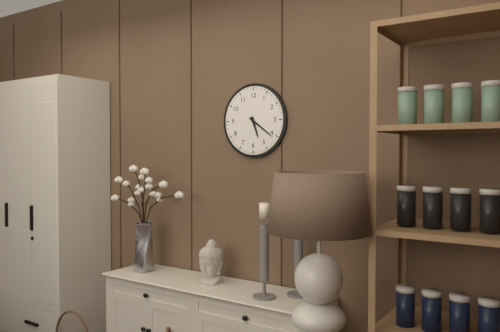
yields h=5 m=21
